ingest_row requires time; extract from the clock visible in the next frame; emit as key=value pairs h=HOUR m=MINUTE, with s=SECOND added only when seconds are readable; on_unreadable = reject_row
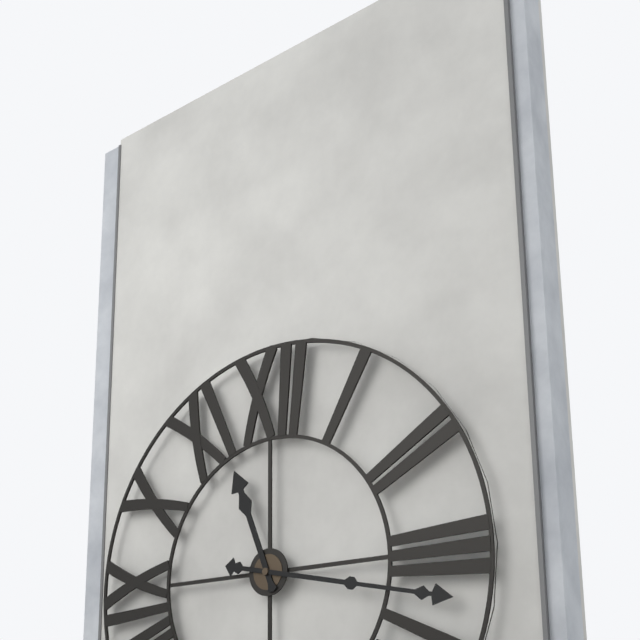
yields h=11 m=17
